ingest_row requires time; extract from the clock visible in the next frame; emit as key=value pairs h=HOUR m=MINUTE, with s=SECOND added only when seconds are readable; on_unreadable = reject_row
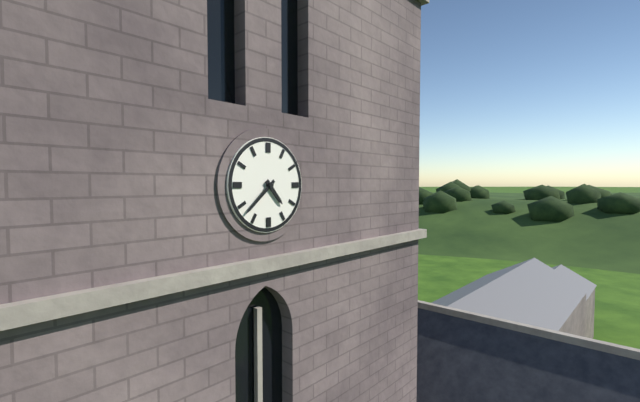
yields h=4 m=38
